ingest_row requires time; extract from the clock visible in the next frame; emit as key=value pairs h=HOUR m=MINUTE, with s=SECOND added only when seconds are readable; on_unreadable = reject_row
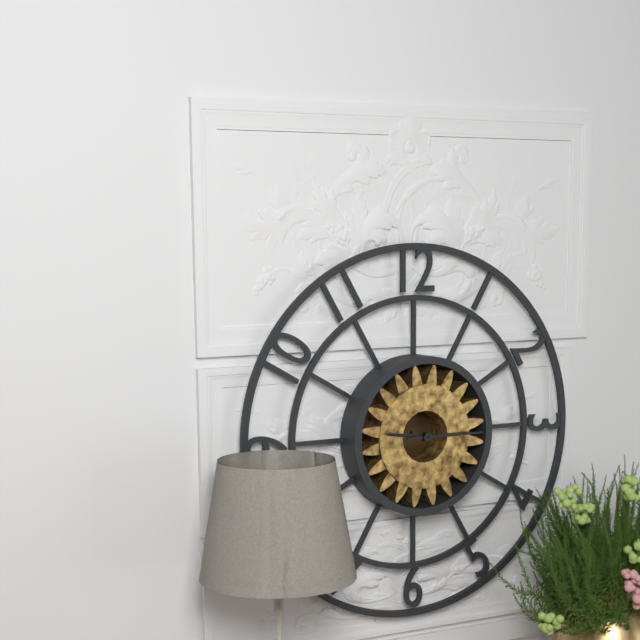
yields h=9 m=15
